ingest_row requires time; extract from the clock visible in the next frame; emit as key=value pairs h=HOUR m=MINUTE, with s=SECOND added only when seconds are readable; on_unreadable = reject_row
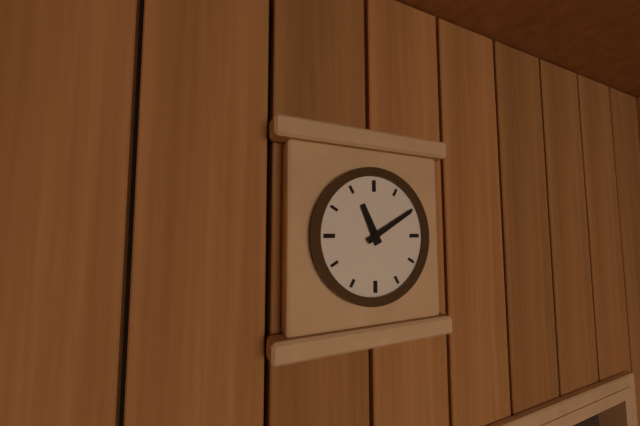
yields h=11 m=10
